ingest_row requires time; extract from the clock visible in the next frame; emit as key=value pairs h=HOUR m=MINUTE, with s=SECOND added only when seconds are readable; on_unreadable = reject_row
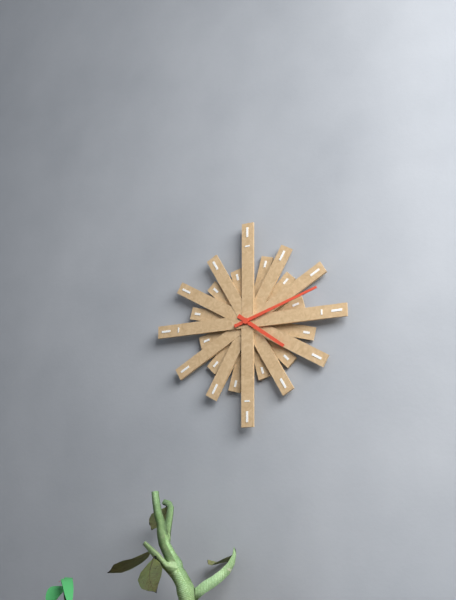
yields h=4 m=12
